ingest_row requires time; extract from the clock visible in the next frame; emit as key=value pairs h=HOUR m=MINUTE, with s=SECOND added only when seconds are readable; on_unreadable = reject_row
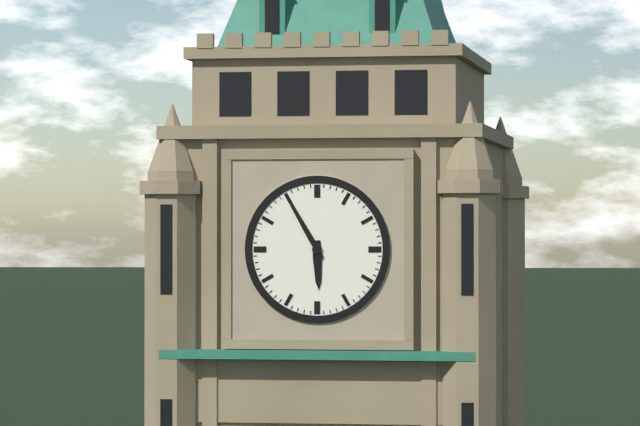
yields h=5 m=55
